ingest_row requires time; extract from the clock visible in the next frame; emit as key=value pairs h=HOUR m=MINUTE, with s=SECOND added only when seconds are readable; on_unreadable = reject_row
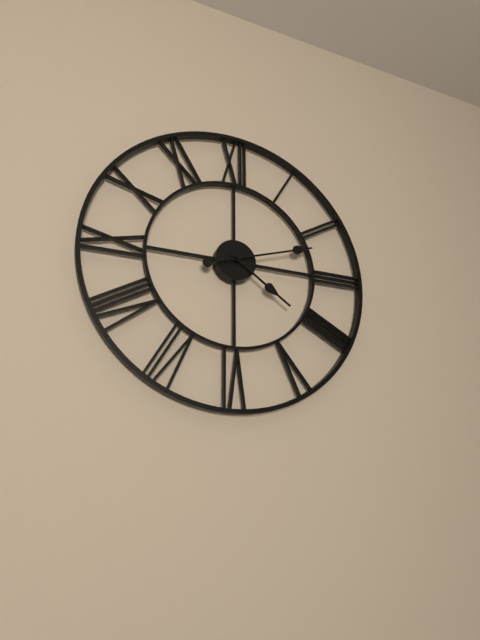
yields h=4 m=12
